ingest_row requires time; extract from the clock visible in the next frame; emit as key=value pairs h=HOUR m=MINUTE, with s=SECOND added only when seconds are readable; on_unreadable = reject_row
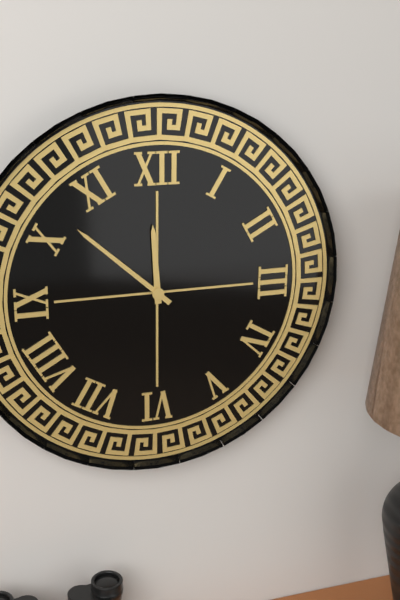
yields h=11 m=52
